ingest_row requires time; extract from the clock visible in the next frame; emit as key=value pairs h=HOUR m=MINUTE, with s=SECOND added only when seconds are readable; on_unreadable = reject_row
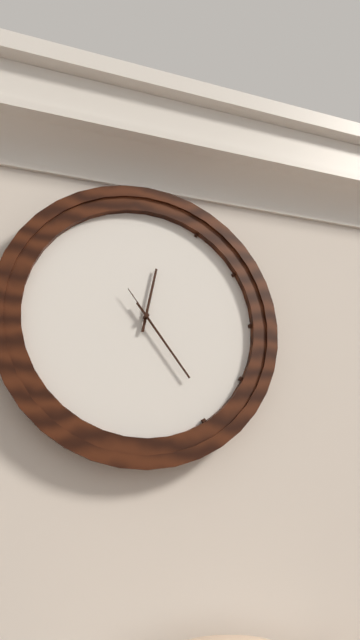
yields h=12 m=24
